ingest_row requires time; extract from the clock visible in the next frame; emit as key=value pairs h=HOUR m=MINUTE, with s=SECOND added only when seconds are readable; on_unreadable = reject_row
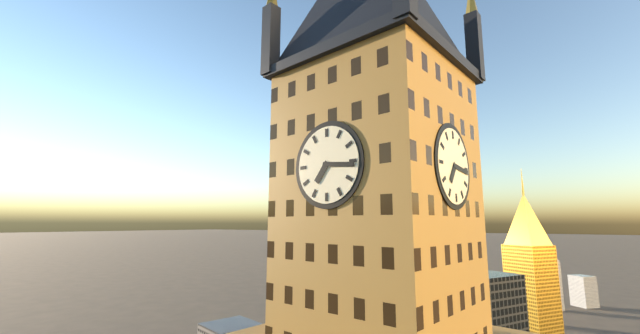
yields h=7 m=16
